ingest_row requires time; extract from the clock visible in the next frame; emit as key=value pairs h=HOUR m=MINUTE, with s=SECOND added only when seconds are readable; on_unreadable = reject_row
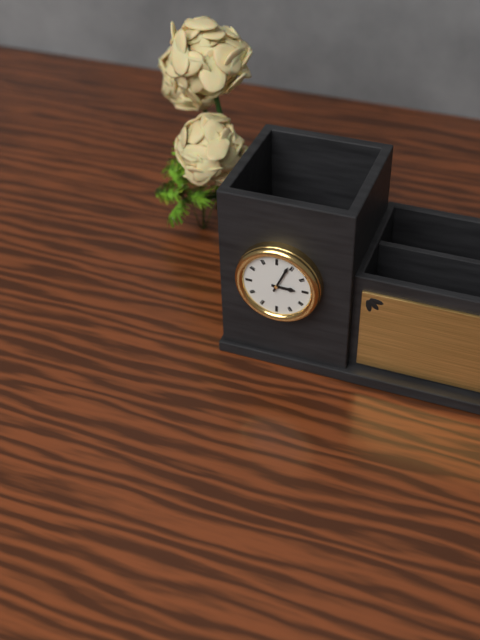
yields h=3 m=4
